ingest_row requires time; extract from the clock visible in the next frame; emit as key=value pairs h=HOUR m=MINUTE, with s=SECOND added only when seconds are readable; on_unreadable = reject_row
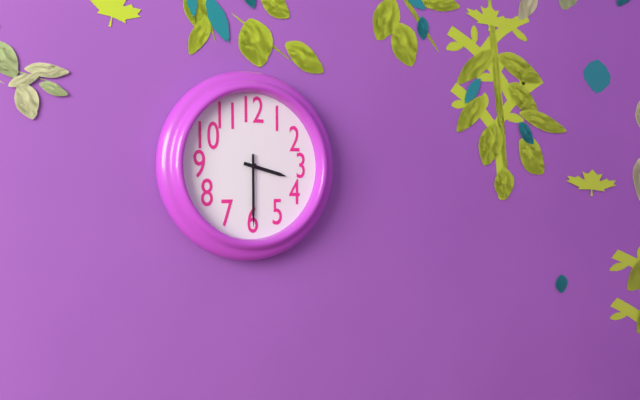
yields h=3 m=30
